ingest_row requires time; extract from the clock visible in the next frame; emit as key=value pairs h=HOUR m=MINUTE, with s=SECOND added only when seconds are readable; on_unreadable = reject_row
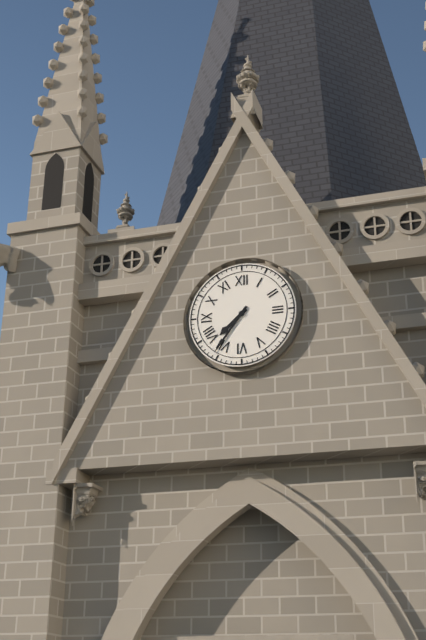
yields h=7 m=36
